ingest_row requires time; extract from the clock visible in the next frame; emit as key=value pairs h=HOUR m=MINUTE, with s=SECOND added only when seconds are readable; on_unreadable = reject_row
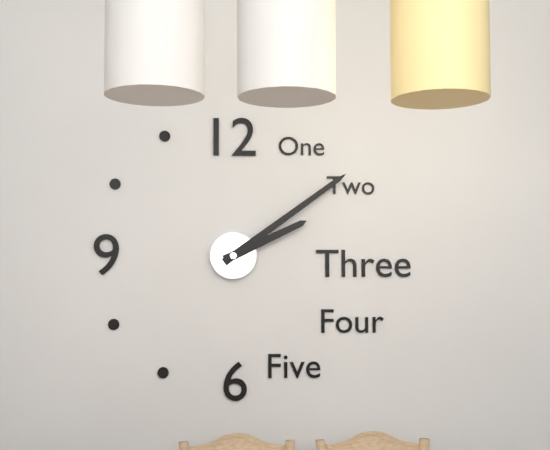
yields h=2 m=9
